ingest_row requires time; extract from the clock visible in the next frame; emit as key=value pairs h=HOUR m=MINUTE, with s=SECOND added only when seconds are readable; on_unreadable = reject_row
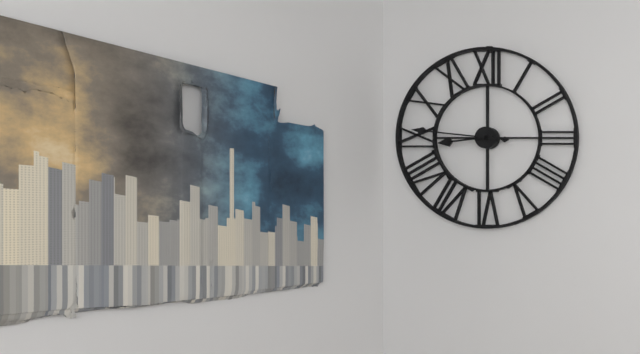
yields h=8 m=46
